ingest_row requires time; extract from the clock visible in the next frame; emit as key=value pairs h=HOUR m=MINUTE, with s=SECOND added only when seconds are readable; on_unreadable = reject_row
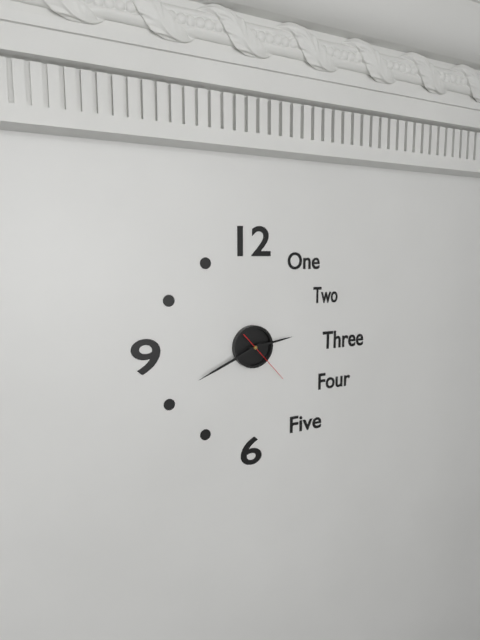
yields h=2 m=41 s=23
